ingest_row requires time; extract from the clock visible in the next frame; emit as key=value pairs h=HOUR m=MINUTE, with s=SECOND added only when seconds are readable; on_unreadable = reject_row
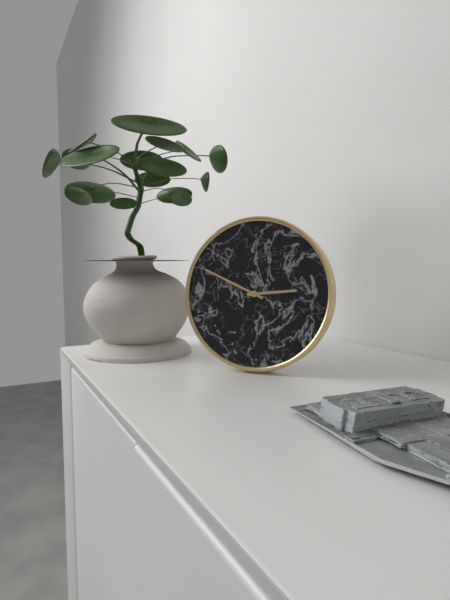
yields h=2 m=49
